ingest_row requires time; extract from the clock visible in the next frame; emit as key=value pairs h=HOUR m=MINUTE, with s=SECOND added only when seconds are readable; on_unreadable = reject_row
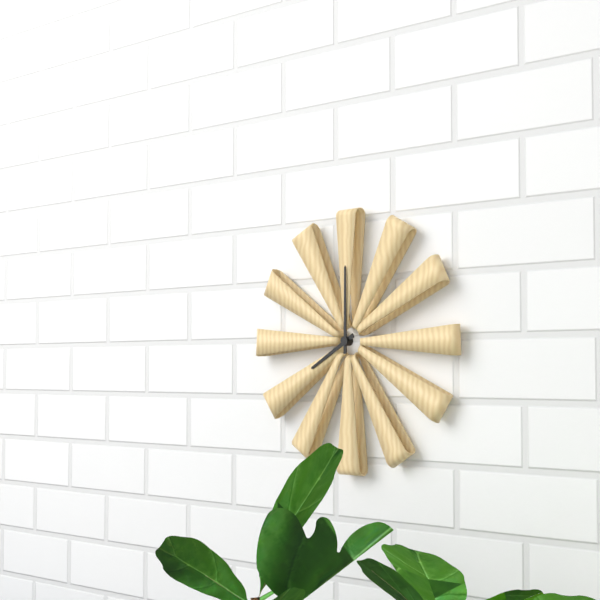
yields h=8 m=0
